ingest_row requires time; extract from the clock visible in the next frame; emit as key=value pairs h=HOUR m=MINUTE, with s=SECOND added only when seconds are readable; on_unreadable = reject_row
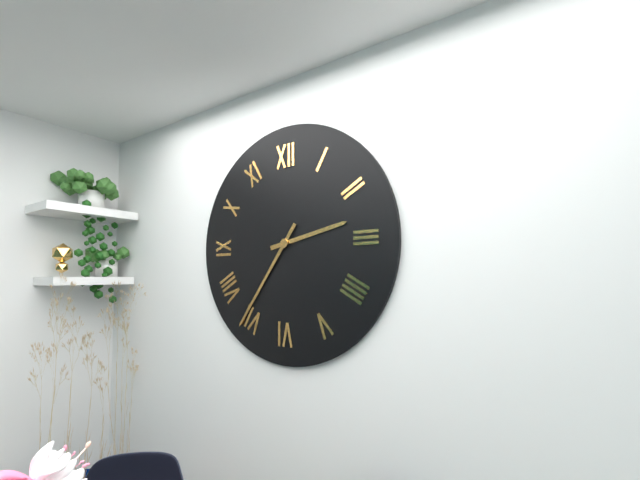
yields h=2 m=36
